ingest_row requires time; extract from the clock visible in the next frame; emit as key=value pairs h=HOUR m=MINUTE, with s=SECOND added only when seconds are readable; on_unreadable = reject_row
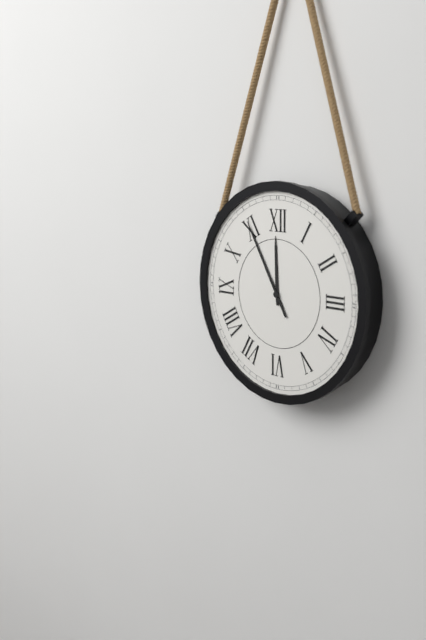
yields h=11 m=55
